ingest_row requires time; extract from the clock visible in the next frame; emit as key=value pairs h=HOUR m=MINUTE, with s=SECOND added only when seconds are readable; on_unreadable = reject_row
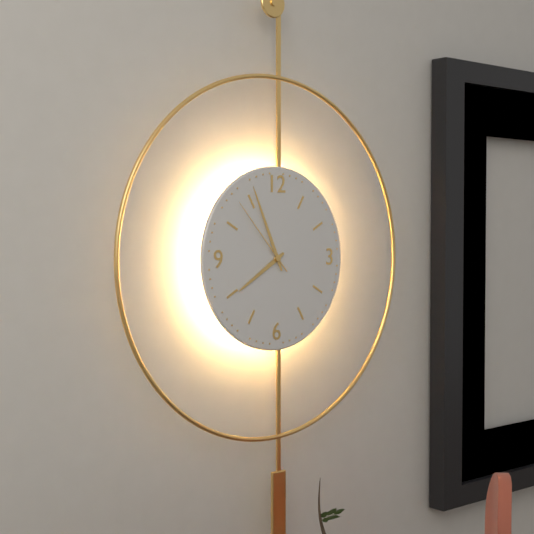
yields h=7 m=56 s=53
